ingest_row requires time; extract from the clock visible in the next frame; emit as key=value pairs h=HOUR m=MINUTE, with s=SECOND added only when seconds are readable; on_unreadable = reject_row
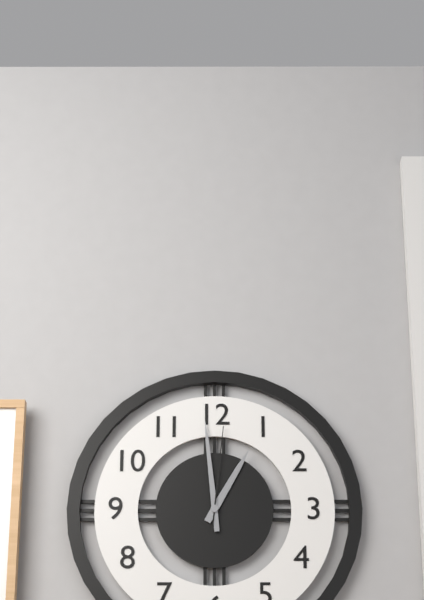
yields h=12 m=59 s=1
